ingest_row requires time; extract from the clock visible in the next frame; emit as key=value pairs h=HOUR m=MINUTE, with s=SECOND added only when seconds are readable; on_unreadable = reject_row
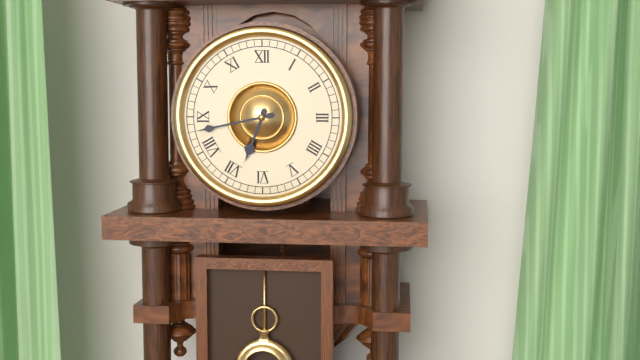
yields h=6 m=43
